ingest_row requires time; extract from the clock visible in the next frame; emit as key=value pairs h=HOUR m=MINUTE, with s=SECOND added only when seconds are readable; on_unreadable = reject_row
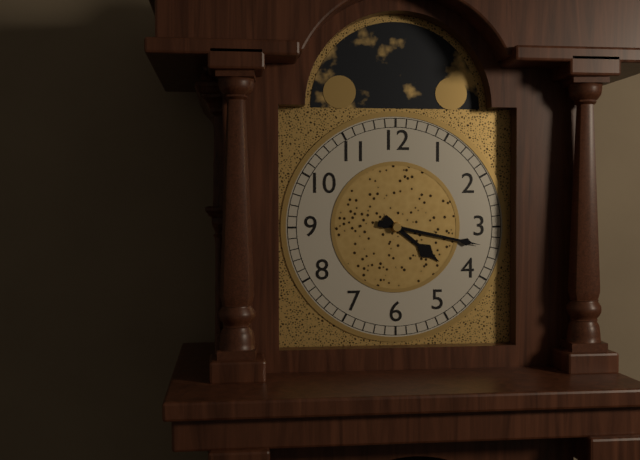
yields h=4 m=17
